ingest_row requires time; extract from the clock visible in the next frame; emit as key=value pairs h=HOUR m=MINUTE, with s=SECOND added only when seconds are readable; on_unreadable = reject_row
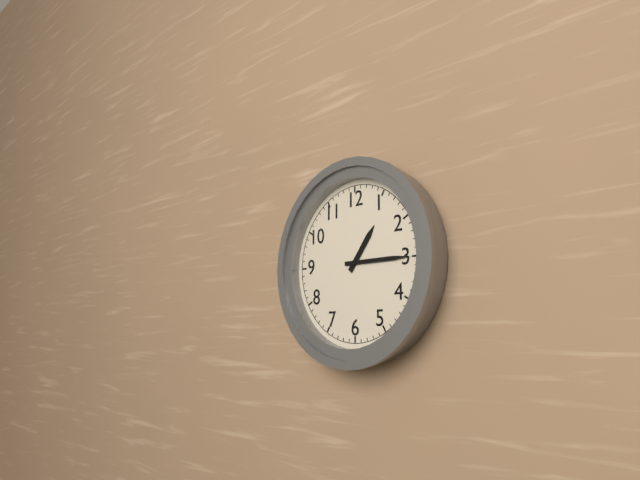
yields h=1 m=15
